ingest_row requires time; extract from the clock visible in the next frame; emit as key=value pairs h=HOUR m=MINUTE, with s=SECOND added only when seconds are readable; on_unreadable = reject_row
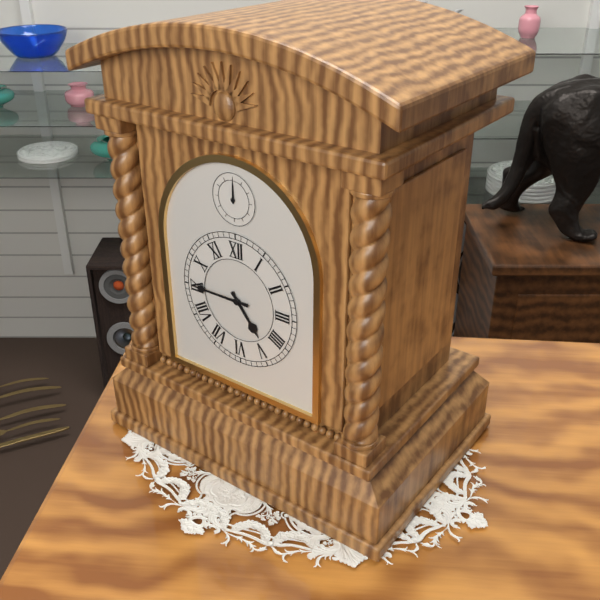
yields h=4 m=45
